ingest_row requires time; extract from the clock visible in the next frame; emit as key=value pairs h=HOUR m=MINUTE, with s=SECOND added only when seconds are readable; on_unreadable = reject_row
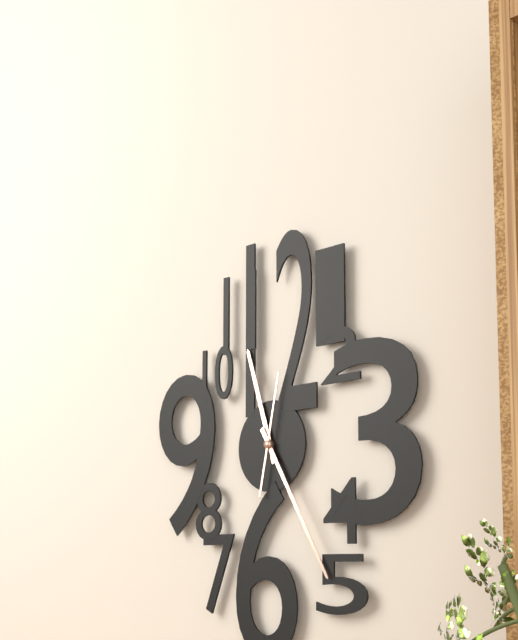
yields h=11 m=25 s=2
